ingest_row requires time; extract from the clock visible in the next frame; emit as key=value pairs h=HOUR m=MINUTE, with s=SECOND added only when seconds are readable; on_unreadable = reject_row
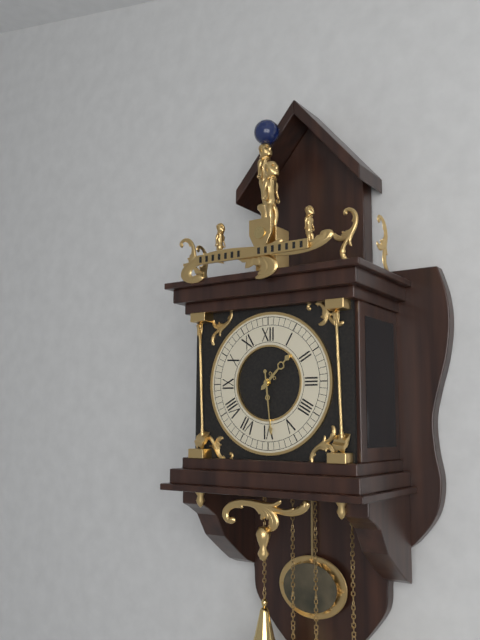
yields h=1 m=29
